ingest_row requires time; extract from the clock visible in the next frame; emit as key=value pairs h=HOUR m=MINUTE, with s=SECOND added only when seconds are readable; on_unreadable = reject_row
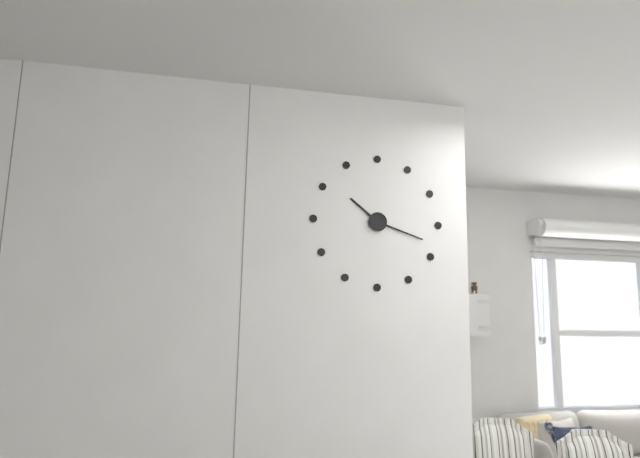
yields h=10 m=18
